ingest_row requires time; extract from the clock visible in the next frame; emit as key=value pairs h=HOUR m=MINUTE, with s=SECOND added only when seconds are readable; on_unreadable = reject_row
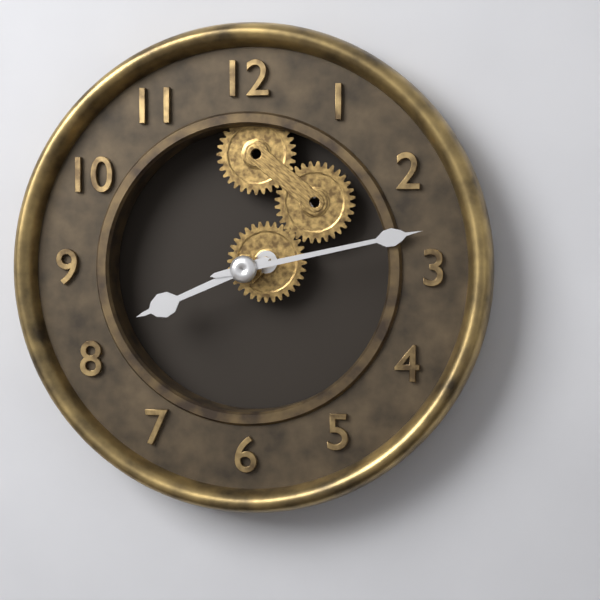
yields h=8 m=13
